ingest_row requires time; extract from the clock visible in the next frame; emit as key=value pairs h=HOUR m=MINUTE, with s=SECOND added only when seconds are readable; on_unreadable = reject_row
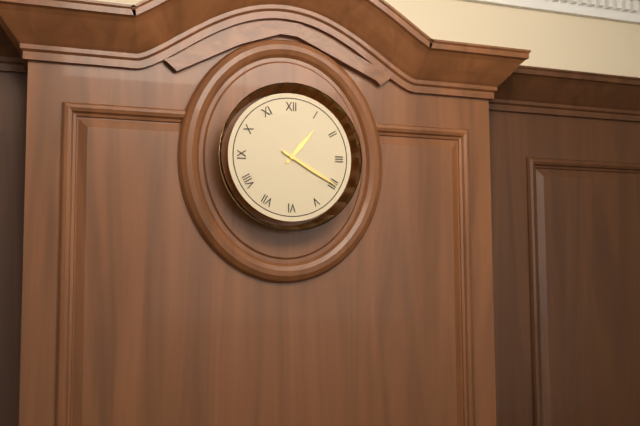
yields h=1 m=20
